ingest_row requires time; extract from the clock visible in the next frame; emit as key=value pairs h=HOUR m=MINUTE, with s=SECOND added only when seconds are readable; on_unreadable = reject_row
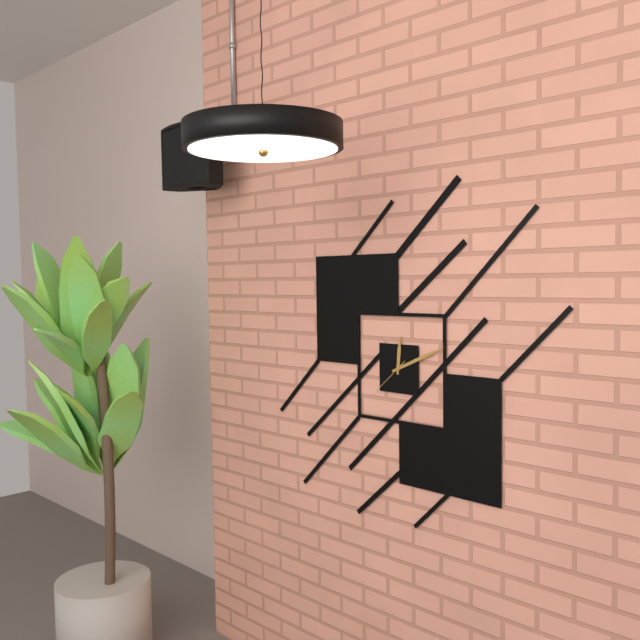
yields h=12 m=11
